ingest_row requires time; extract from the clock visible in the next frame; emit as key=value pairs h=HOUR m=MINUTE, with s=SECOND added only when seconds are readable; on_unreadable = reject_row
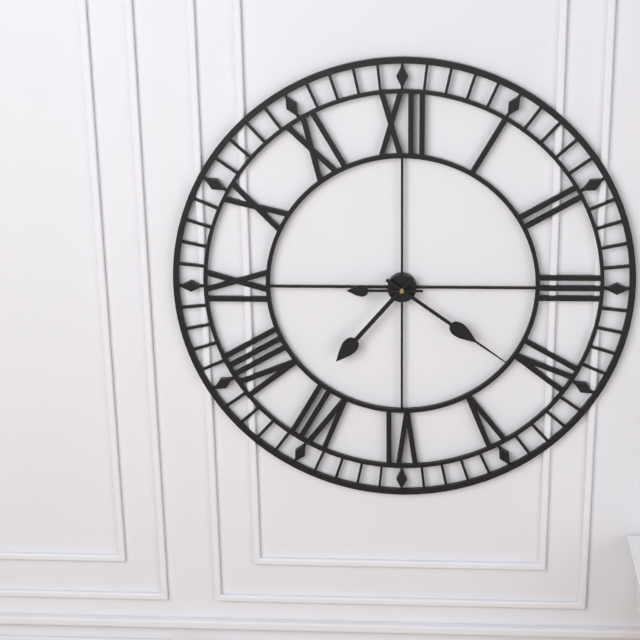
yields h=7 m=21 s=45
